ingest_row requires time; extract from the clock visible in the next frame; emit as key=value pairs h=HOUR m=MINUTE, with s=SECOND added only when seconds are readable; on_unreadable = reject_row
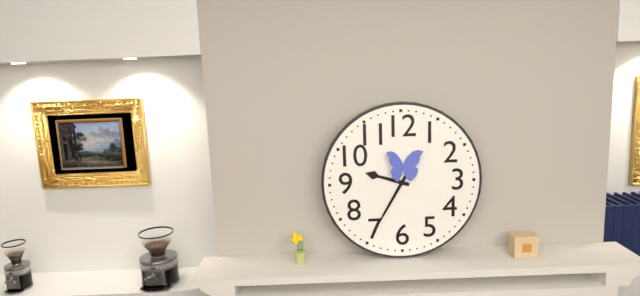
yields h=9 m=35
